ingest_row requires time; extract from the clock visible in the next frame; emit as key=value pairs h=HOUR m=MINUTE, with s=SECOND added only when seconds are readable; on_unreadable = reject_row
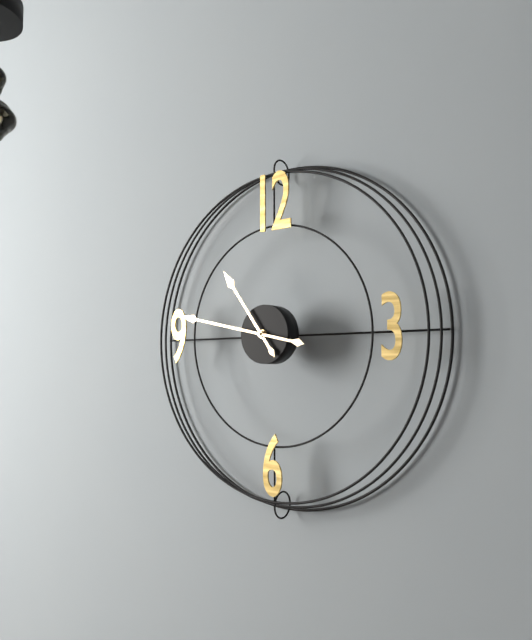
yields h=10 m=47
